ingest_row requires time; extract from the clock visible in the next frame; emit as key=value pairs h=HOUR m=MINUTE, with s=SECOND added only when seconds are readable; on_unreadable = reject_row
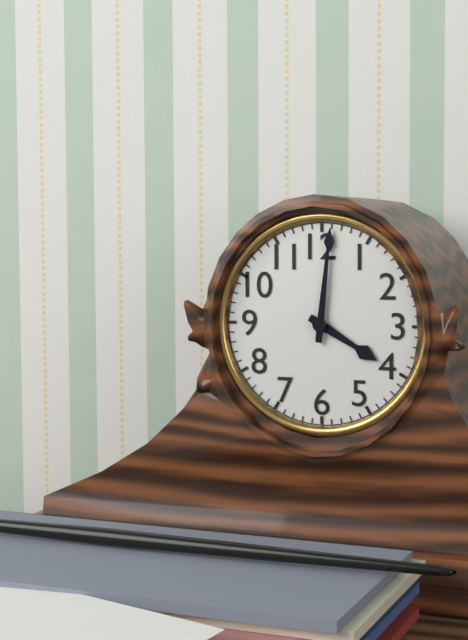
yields h=4 m=1
